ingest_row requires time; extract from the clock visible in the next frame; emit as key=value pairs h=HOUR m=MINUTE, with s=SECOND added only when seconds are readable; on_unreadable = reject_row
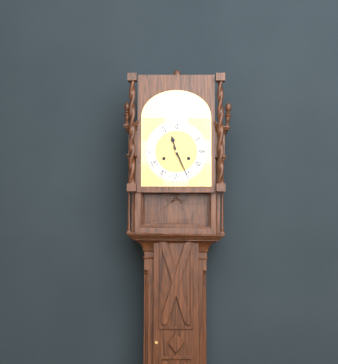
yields h=11 m=26
